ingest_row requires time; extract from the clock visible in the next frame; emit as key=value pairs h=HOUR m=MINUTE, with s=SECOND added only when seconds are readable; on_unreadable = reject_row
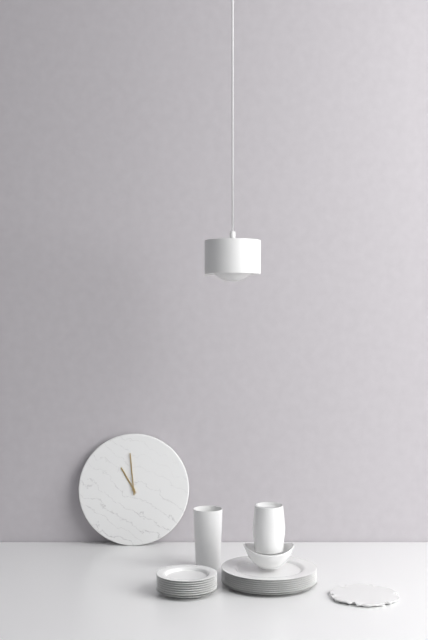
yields h=10 m=59
